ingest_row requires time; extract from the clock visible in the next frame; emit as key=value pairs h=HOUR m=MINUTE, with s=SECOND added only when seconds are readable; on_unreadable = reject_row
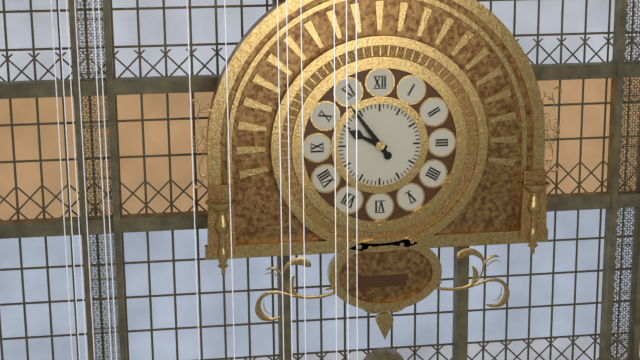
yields h=9 m=54
